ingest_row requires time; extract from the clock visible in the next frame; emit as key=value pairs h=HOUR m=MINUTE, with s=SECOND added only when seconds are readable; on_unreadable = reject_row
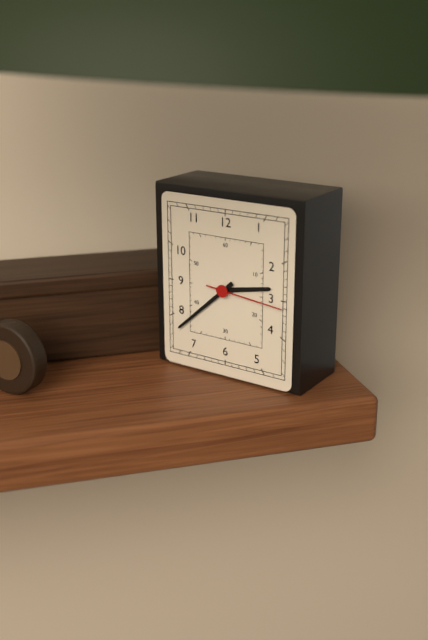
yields h=2 m=38 s=16
